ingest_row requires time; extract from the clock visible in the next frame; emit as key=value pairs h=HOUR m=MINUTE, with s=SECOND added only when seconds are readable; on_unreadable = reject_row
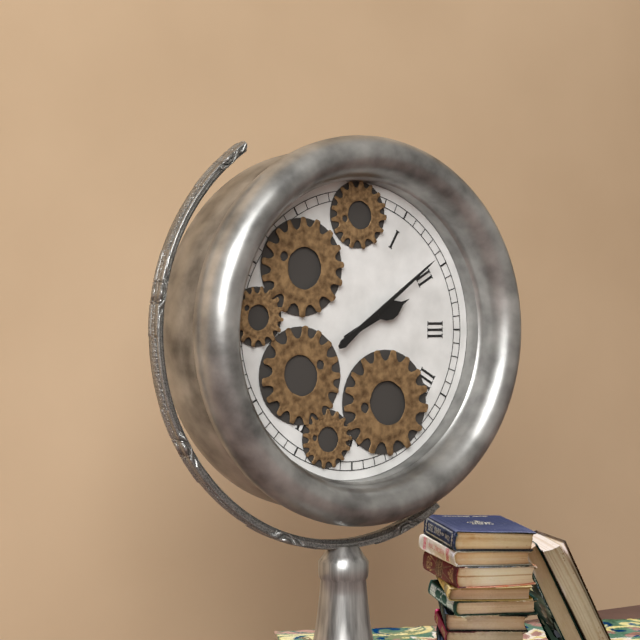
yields h=2 m=9
